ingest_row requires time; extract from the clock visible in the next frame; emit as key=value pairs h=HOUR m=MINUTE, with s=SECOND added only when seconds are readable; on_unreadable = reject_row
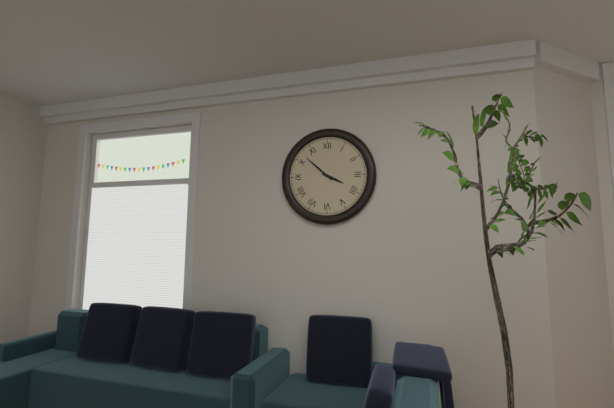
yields h=3 m=52
